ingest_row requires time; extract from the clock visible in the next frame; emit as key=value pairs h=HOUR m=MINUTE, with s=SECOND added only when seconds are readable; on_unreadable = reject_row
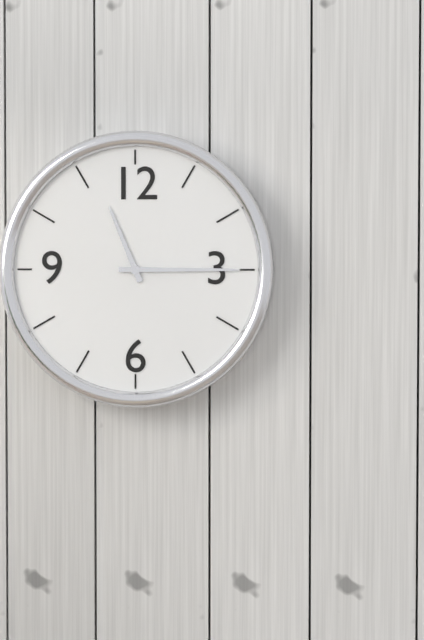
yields h=11 m=15
